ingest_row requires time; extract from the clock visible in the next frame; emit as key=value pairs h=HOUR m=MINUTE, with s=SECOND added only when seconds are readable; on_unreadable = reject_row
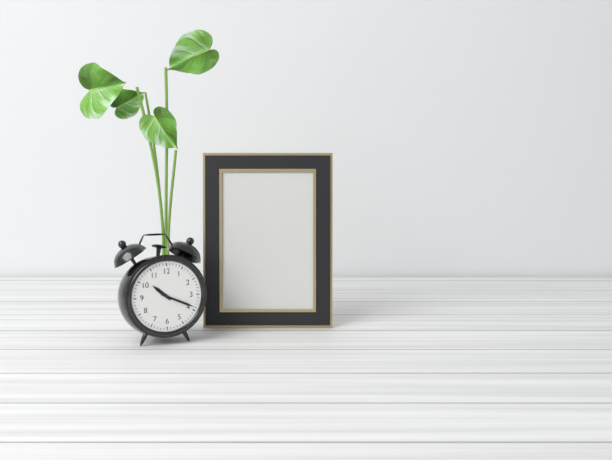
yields h=10 m=19
